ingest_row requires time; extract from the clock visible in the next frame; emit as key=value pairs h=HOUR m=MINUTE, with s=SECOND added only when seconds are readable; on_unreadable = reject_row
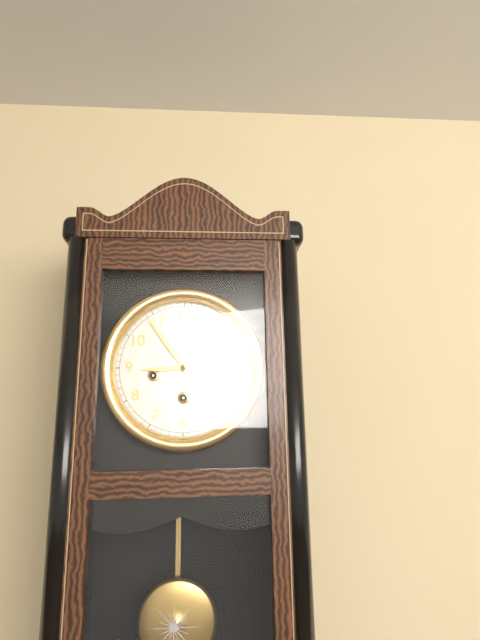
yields h=8 m=54
